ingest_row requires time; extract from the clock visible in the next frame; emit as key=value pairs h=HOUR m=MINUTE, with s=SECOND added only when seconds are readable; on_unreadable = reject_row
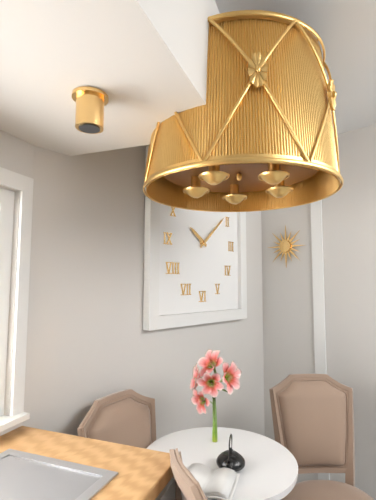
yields h=10 m=8
